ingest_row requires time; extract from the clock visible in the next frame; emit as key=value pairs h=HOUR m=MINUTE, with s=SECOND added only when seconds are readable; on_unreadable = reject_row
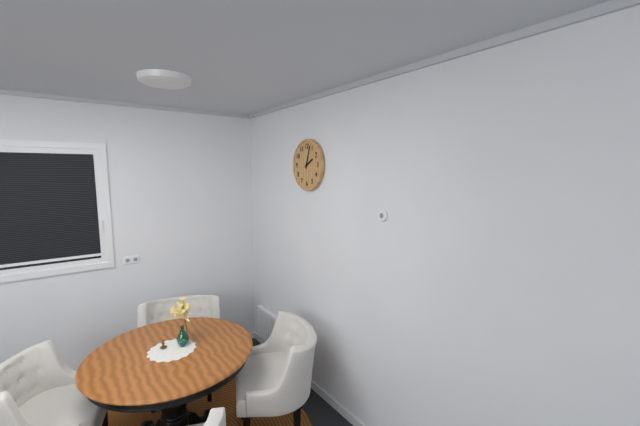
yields h=2 m=3
